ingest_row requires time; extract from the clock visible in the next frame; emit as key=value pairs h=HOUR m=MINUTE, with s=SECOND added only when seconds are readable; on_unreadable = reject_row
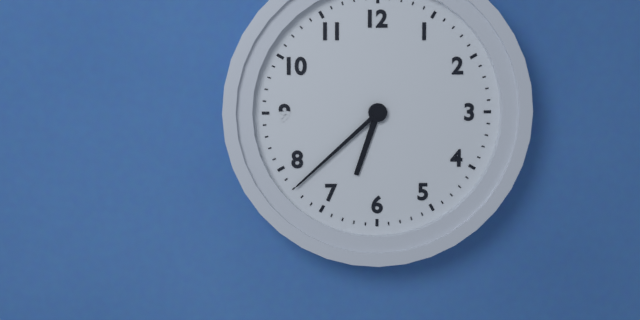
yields h=6 m=38
